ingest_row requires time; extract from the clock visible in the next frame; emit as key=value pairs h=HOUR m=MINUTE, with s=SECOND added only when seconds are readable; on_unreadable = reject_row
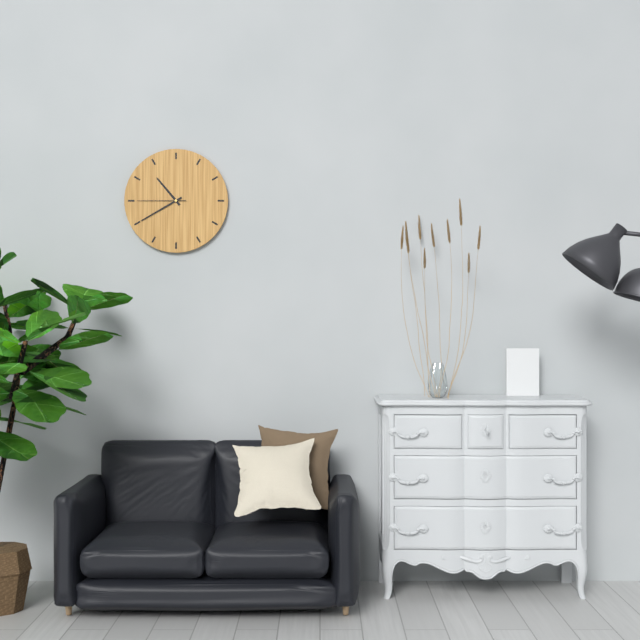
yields h=10 m=40
